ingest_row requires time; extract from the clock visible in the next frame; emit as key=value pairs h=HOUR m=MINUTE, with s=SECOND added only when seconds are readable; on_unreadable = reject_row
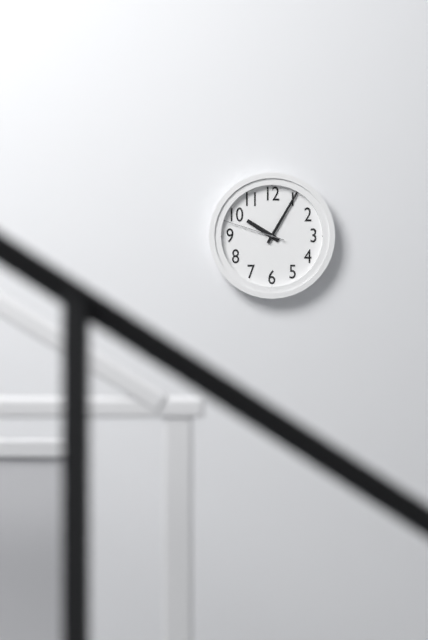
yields h=10 m=5 s=48
